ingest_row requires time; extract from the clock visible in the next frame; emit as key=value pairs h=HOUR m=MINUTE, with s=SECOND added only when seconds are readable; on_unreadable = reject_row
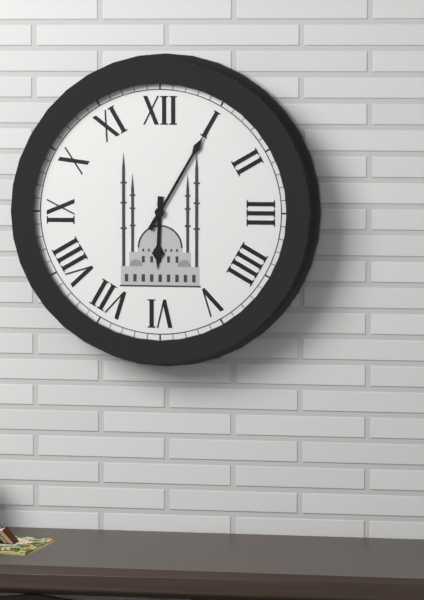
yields h=6 m=5
